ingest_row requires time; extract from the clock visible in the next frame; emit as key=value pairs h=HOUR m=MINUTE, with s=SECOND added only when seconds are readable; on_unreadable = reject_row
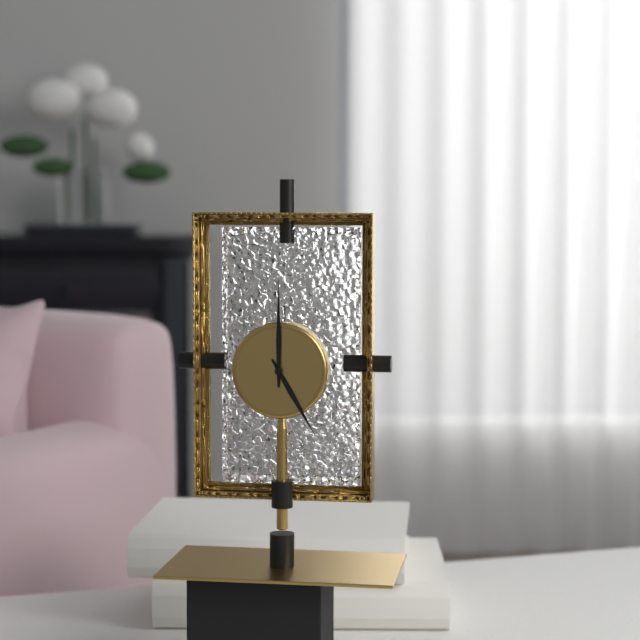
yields h=5 m=0
